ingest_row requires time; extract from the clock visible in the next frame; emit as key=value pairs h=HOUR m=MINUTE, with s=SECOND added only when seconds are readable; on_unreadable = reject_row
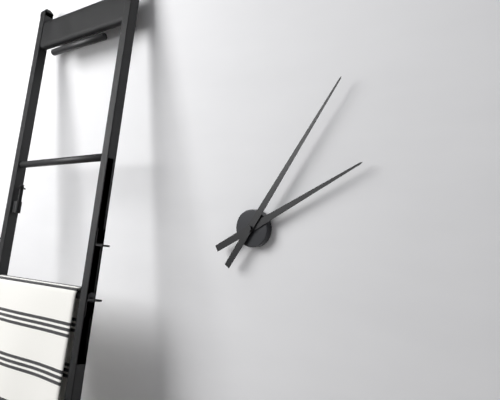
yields h=2 m=6
